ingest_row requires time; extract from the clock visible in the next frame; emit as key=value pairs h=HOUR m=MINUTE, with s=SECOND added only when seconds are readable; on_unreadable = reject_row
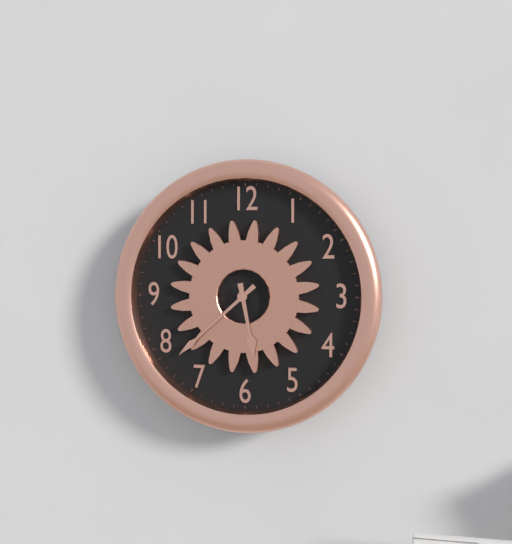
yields h=5 m=38
